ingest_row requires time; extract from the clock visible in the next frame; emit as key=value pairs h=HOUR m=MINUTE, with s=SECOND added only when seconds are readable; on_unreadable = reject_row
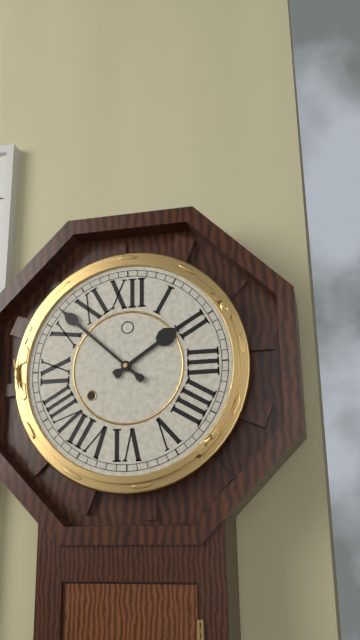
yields h=1 m=52
